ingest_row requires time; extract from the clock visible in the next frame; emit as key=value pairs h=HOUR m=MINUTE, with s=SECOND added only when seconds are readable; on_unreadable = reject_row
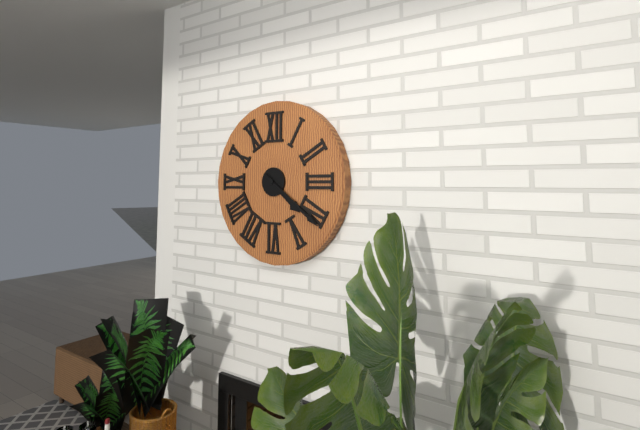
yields h=4 m=21
